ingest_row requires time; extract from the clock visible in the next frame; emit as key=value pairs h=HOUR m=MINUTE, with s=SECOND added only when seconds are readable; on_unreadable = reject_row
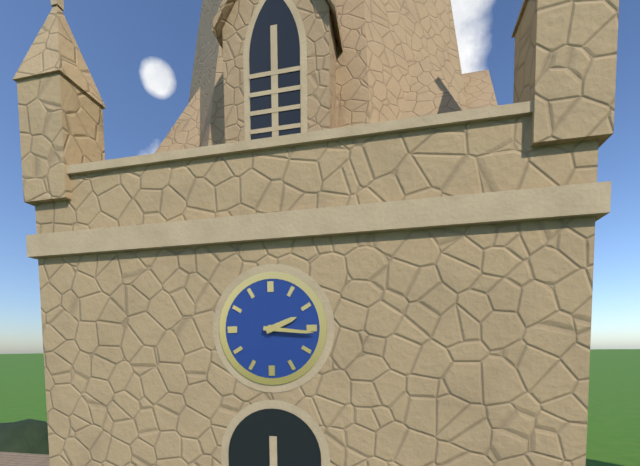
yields h=2 m=16
